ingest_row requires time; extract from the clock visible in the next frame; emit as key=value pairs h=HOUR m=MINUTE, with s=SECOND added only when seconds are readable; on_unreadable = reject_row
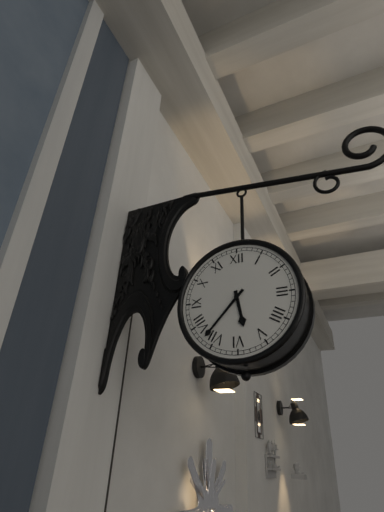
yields h=5 m=37
